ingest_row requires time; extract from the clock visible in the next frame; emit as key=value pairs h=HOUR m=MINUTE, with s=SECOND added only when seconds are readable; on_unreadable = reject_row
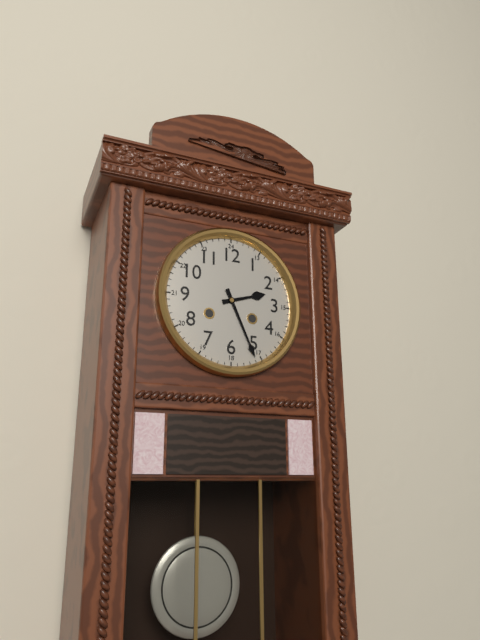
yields h=2 m=26
